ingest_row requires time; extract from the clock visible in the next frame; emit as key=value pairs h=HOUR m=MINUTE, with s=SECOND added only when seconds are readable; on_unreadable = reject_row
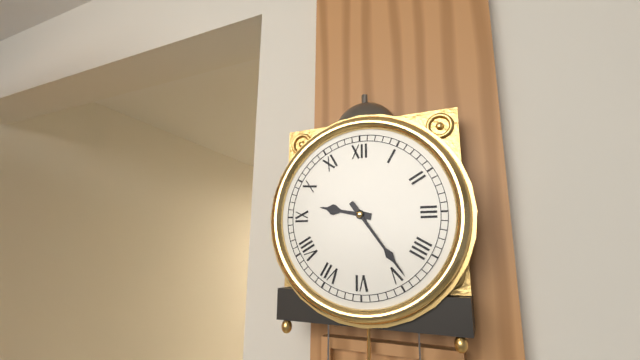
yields h=9 m=24
